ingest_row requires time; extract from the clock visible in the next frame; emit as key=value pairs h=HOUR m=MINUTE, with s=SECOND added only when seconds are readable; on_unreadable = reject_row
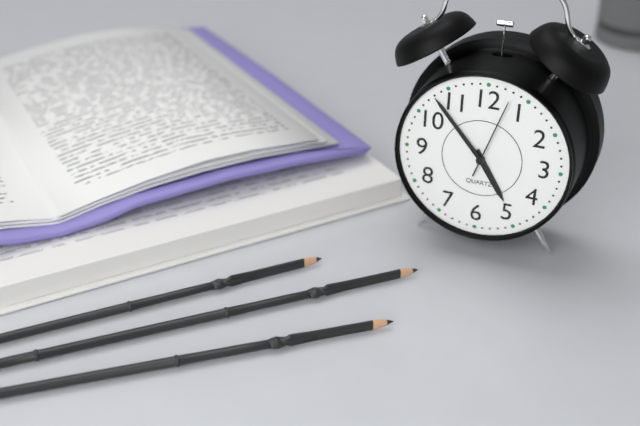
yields h=4 m=53 s=3
